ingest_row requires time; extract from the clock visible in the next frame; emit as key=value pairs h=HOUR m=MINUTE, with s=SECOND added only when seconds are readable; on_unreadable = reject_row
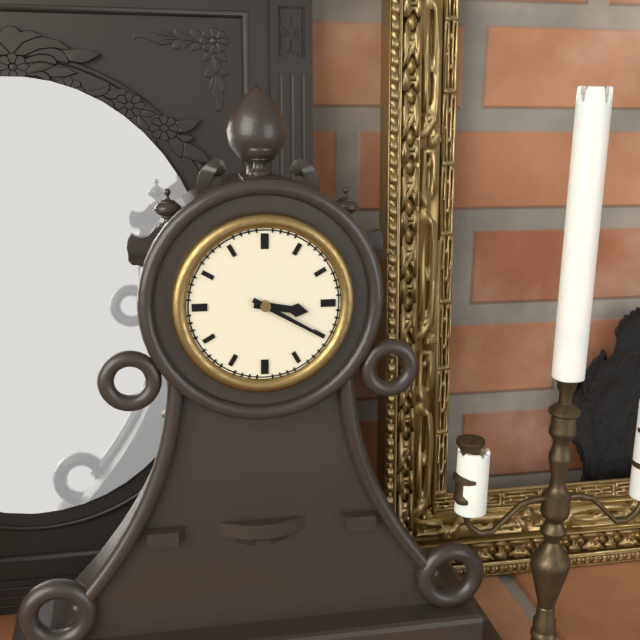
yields h=3 m=20
